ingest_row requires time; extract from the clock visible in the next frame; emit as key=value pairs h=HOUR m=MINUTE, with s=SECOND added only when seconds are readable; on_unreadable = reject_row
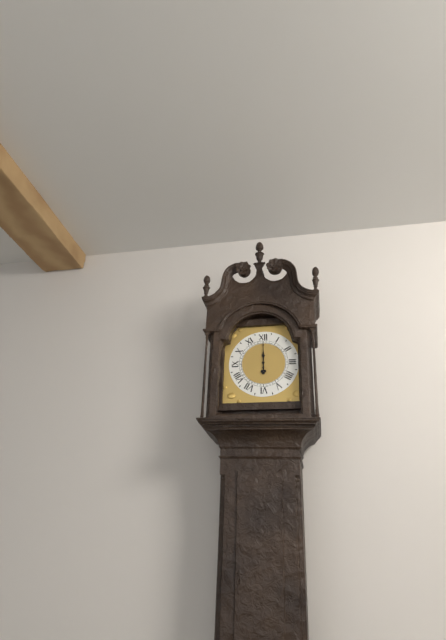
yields h=12 m=0
